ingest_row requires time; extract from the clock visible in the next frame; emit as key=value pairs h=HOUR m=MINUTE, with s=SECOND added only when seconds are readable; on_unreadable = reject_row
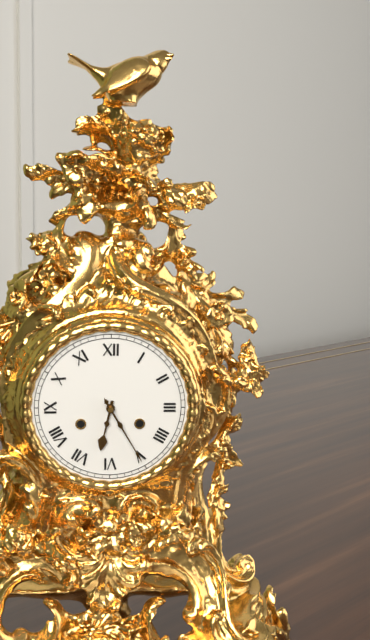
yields h=6 m=25
